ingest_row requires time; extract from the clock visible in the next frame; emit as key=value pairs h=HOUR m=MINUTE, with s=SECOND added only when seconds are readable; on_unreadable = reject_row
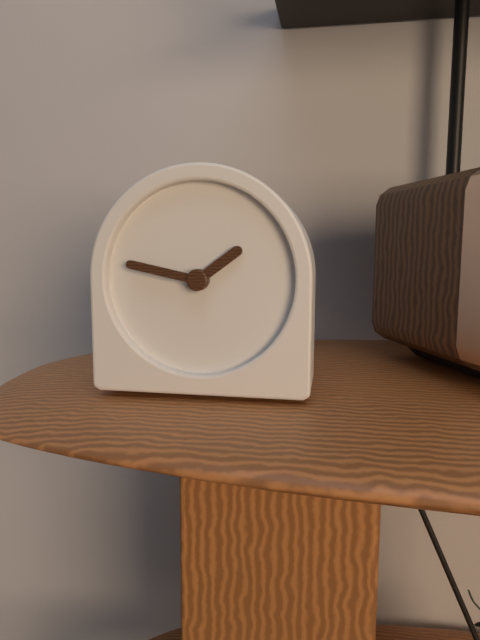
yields h=1 m=47
